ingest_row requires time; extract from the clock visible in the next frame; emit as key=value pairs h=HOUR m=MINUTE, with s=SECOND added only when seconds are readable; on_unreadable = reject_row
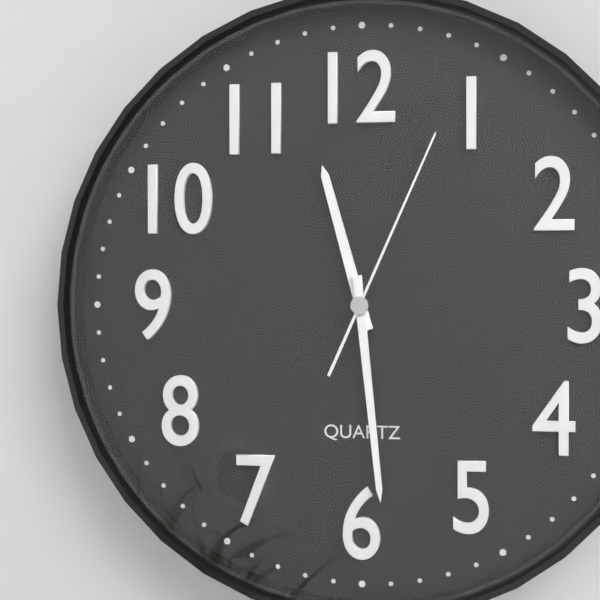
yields h=11 m=29 s=4
